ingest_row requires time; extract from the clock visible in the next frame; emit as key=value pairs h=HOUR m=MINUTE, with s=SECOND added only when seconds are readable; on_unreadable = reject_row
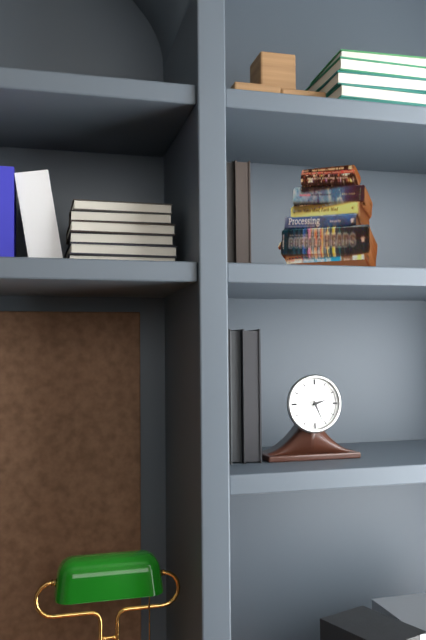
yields h=2 m=26
